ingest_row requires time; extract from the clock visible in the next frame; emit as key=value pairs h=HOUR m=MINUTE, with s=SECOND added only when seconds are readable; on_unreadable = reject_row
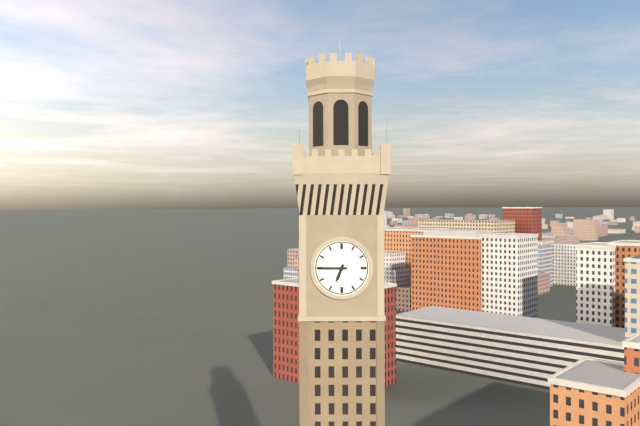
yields h=6 m=45
